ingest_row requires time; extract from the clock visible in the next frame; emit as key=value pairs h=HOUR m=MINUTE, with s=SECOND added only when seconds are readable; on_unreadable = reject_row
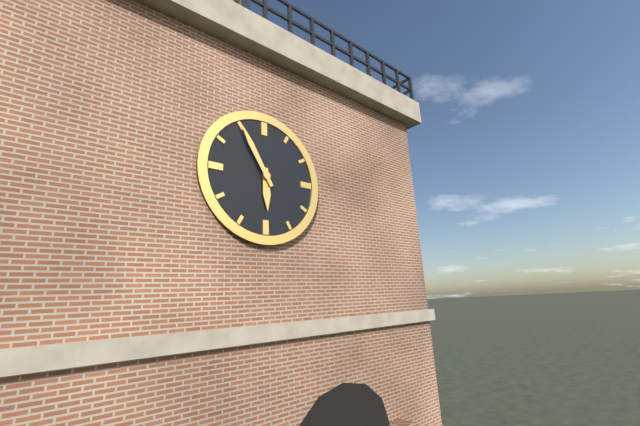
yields h=5 m=55
